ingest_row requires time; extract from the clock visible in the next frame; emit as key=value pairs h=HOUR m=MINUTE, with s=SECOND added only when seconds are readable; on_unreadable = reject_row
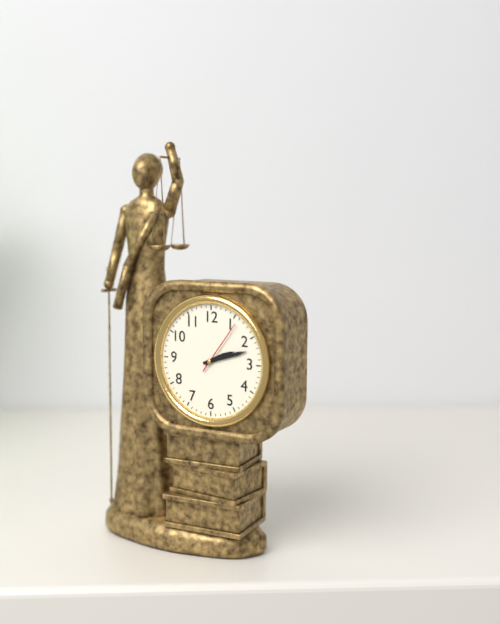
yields h=2 m=12 s=6
